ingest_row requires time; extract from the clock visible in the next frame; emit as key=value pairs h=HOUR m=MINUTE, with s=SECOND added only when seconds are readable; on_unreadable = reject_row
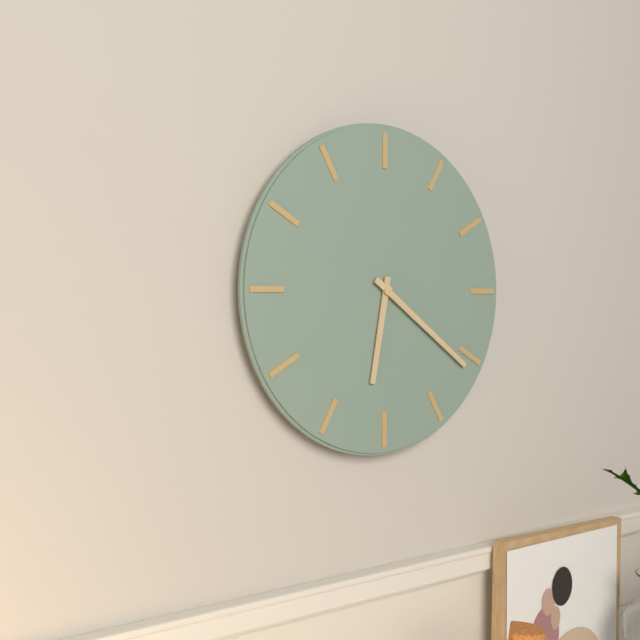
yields h=6 m=21
